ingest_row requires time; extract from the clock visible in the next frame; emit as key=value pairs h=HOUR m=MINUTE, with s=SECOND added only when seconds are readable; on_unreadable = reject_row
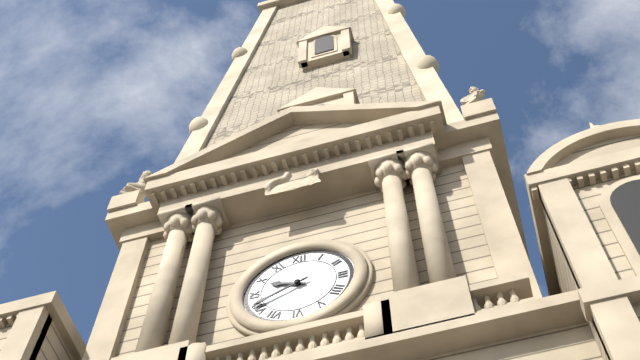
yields h=9 m=41
